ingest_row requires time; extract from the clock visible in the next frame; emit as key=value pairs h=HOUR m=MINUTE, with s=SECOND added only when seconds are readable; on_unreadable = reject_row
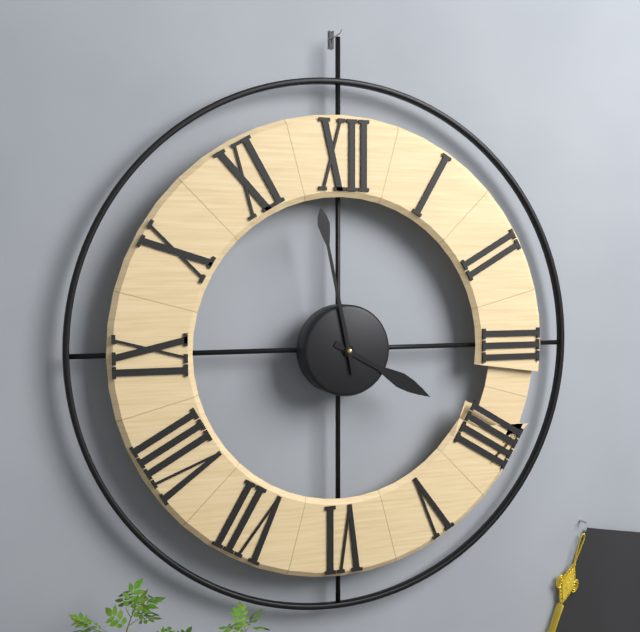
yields h=3 m=58
